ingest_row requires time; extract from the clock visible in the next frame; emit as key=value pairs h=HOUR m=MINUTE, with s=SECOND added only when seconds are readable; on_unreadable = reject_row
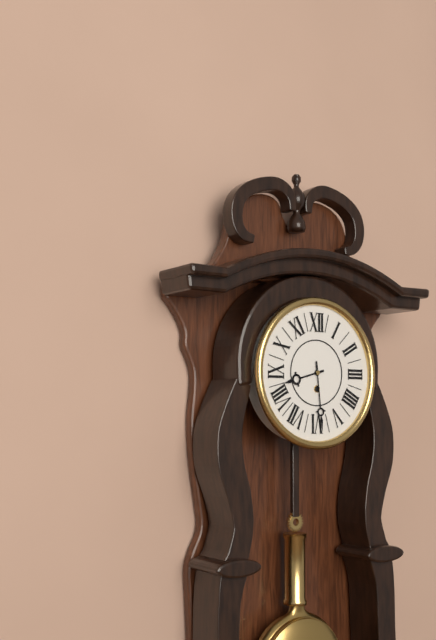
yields h=8 m=29
